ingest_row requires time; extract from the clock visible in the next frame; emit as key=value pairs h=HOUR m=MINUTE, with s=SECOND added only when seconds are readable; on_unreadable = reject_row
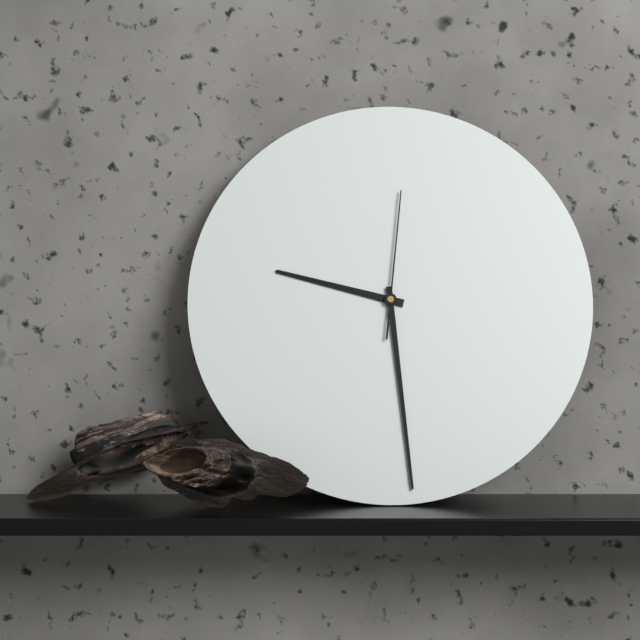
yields h=9 m=29 s=1
